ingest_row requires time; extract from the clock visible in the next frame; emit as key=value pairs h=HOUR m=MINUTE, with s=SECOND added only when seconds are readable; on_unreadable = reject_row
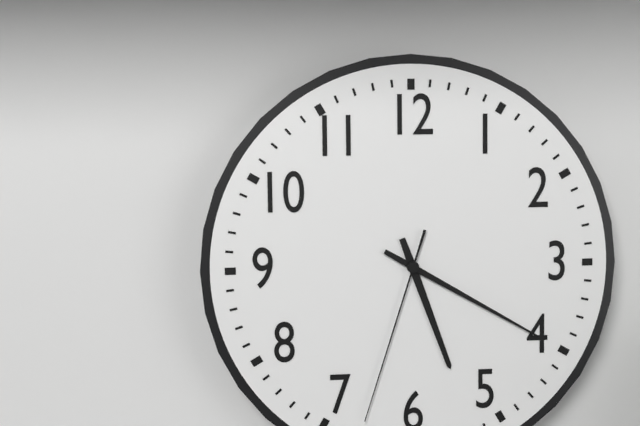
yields h=5 m=20 s=33
